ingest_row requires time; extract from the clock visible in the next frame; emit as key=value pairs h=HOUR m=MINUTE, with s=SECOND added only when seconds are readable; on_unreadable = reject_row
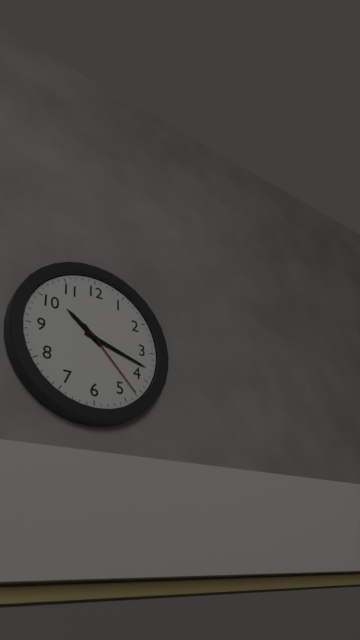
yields h=10 m=18 s=23
